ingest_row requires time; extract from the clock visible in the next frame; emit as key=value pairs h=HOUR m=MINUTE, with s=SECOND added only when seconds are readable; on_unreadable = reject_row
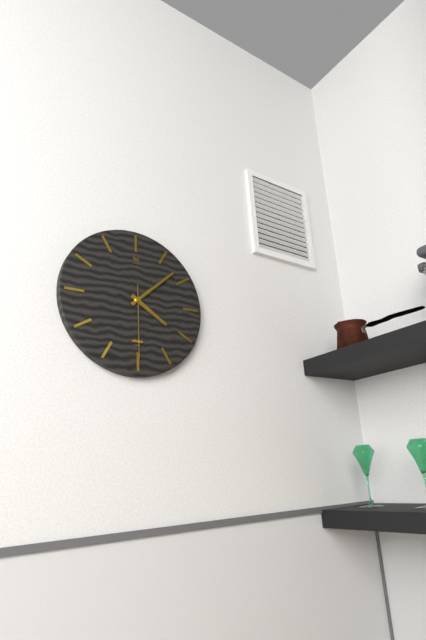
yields h=4 m=8 s=30
